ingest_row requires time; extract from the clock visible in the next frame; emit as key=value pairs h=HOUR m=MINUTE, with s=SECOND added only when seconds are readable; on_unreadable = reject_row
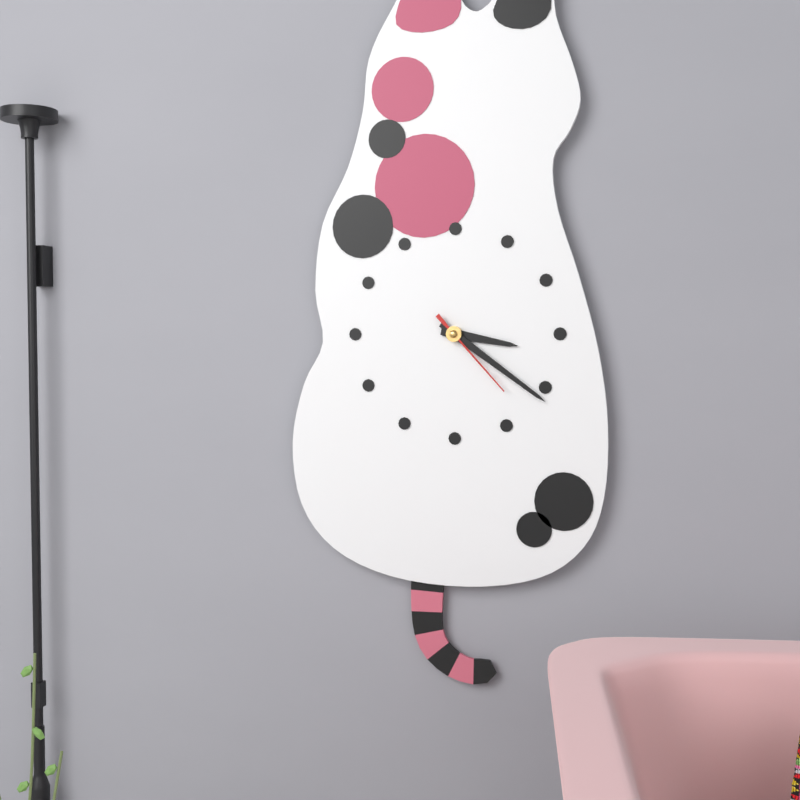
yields h=3 m=21 s=23
